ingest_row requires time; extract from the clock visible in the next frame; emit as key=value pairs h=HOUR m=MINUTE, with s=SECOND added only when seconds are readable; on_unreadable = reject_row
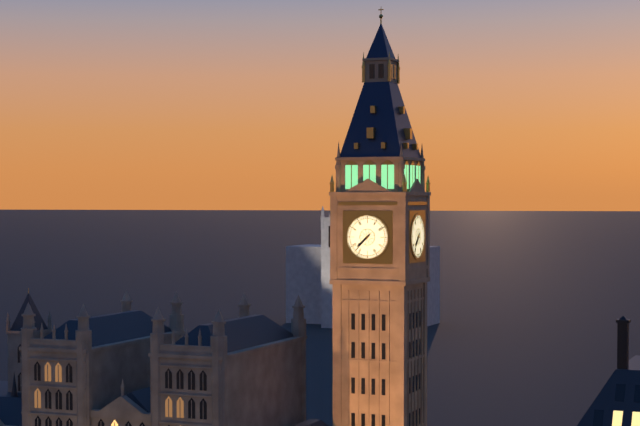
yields h=7 m=37
